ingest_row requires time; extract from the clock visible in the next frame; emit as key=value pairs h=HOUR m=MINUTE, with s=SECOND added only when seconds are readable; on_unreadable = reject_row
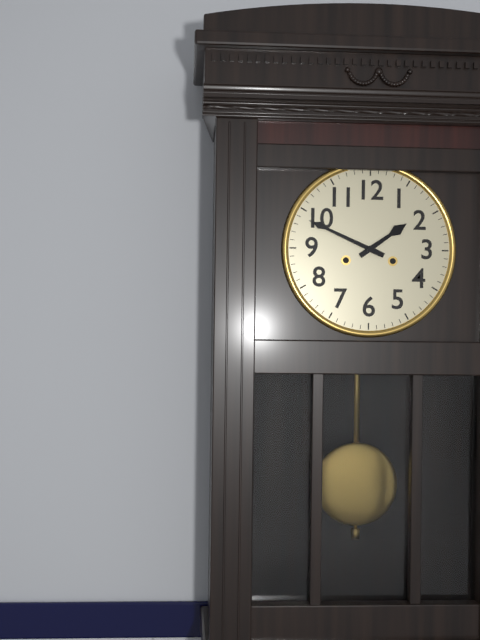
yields h=1 m=49
